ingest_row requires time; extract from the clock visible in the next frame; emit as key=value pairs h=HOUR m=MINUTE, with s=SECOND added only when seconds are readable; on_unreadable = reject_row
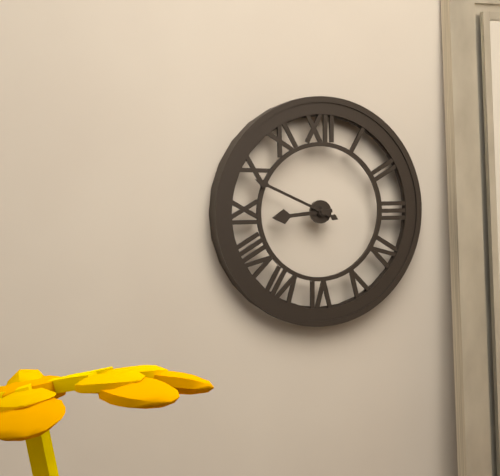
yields h=8 m=49
